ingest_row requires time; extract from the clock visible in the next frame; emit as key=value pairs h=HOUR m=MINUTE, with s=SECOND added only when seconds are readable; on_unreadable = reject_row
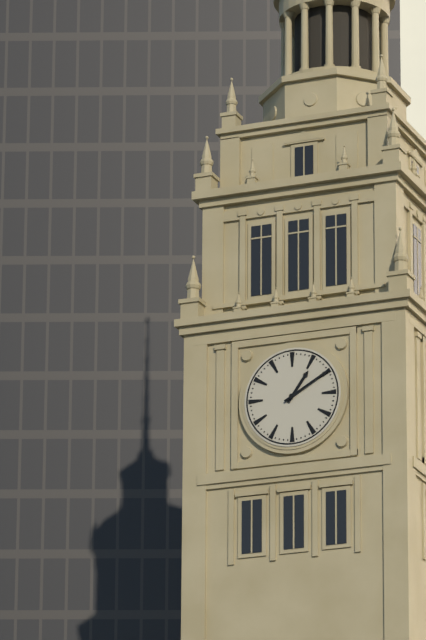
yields h=1 m=10
